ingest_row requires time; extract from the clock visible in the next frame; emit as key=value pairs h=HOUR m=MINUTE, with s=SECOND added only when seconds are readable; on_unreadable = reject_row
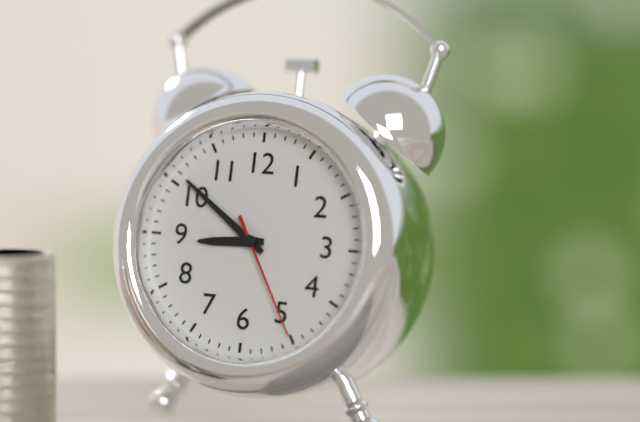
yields h=8 m=51 s=25
